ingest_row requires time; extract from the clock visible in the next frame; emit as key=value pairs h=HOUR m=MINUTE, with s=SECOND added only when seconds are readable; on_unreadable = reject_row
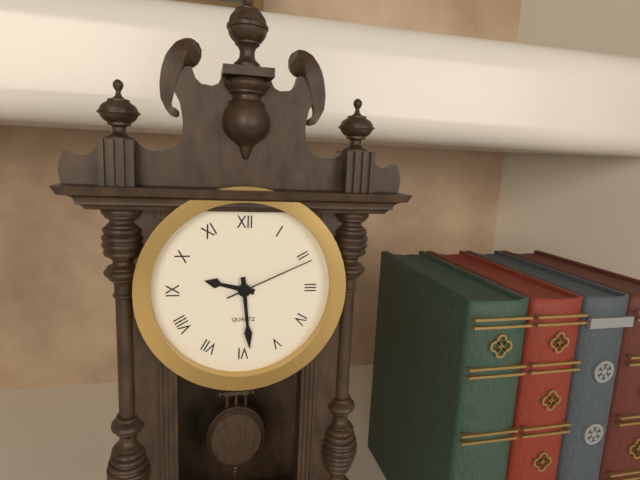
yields h=9 m=29 s=11
